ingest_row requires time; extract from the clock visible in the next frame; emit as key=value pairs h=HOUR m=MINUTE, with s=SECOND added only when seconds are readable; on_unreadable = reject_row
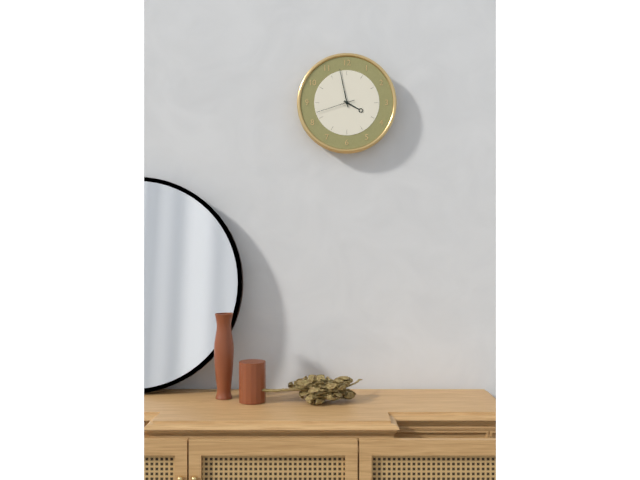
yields h=3 m=58
